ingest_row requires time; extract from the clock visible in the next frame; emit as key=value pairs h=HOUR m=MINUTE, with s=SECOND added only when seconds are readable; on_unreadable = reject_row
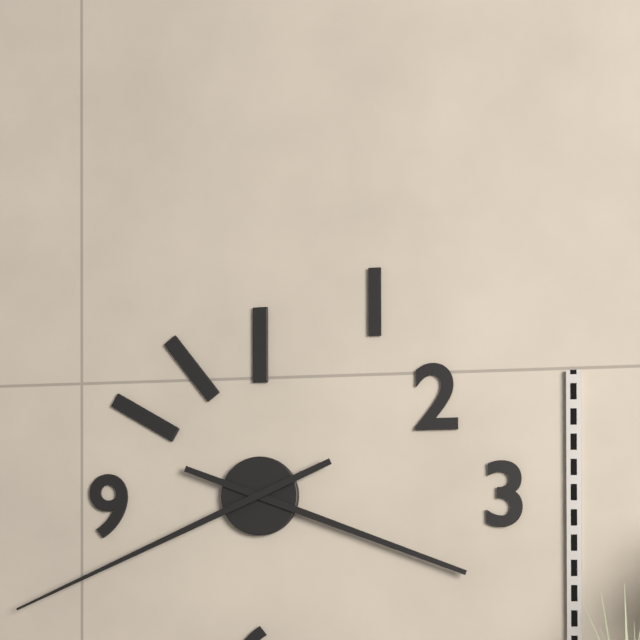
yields h=3 m=41
